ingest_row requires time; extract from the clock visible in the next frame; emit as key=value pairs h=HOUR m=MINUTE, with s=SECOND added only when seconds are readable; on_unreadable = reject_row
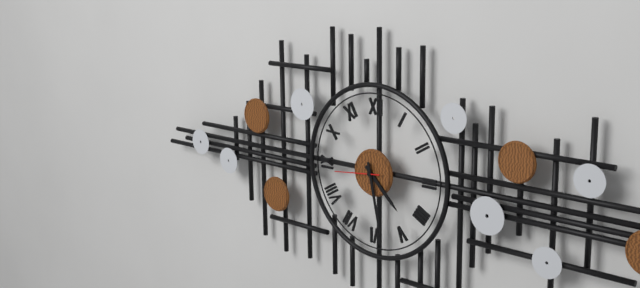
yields h=4 m=28
